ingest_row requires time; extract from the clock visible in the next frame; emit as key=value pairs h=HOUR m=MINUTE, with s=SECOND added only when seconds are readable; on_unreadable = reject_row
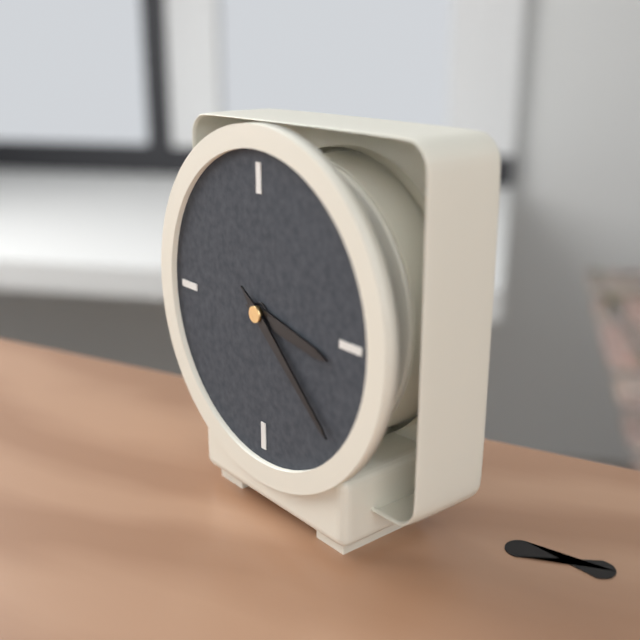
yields h=3 m=22
